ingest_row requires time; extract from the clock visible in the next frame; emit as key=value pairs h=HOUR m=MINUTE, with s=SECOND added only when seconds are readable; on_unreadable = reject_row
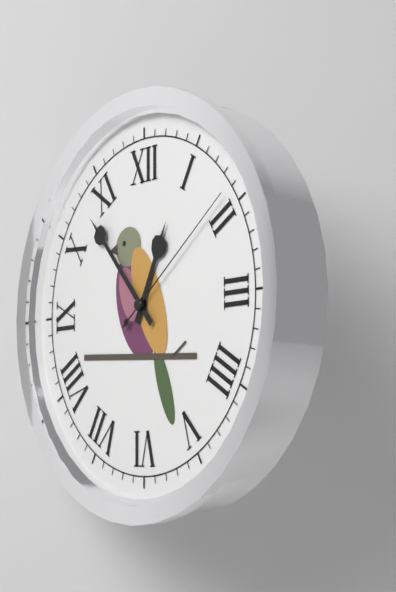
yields h=12 m=53 s=9
